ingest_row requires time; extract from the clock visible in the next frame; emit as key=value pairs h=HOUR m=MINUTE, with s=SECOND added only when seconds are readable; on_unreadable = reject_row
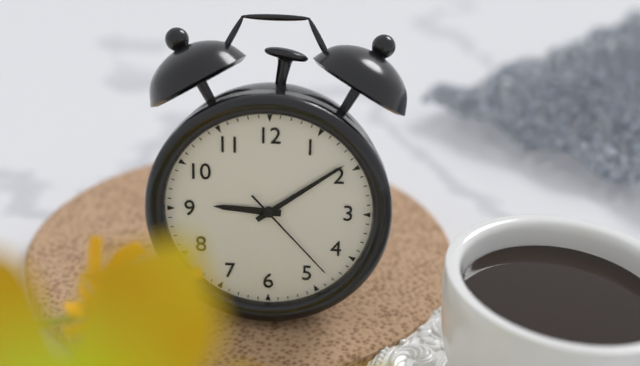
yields h=9 m=9 s=23
